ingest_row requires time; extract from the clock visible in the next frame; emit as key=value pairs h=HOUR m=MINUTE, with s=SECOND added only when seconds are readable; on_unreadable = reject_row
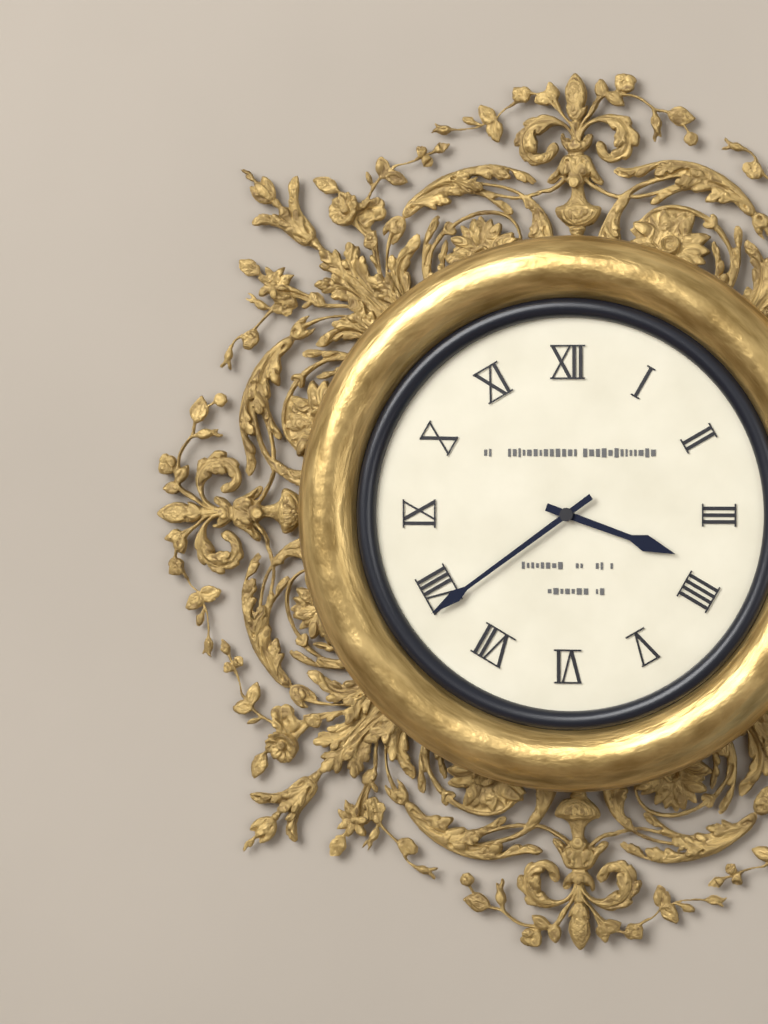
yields h=3 m=39
